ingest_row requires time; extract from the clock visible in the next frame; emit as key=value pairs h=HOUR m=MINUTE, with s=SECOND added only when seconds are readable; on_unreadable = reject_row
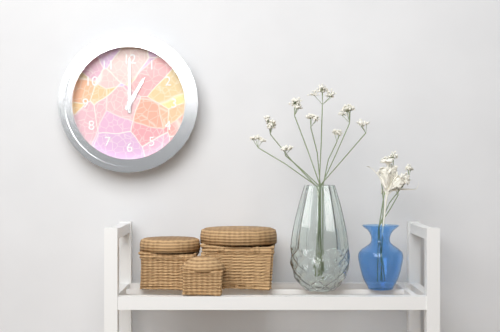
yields h=1 m=0
